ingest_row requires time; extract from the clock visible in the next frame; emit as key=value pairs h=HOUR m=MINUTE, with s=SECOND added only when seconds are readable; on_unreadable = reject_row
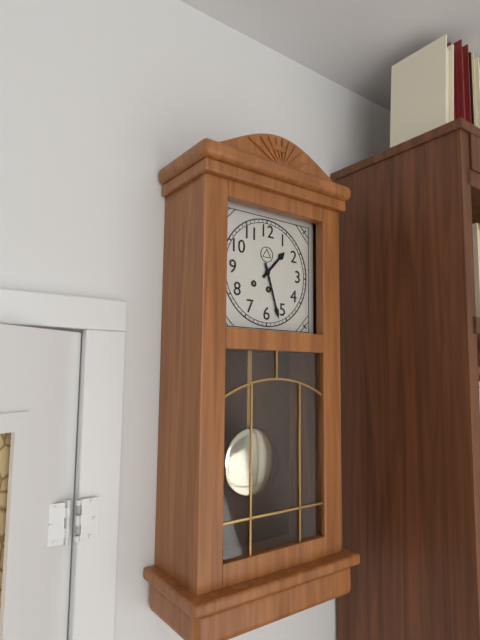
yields h=1 m=27
